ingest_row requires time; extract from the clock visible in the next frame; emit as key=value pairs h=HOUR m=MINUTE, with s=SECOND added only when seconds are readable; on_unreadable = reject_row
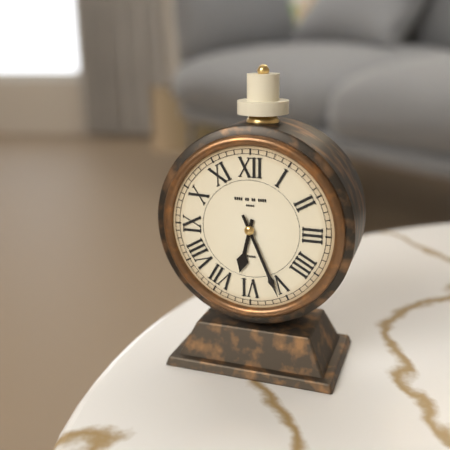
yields h=6 m=26
